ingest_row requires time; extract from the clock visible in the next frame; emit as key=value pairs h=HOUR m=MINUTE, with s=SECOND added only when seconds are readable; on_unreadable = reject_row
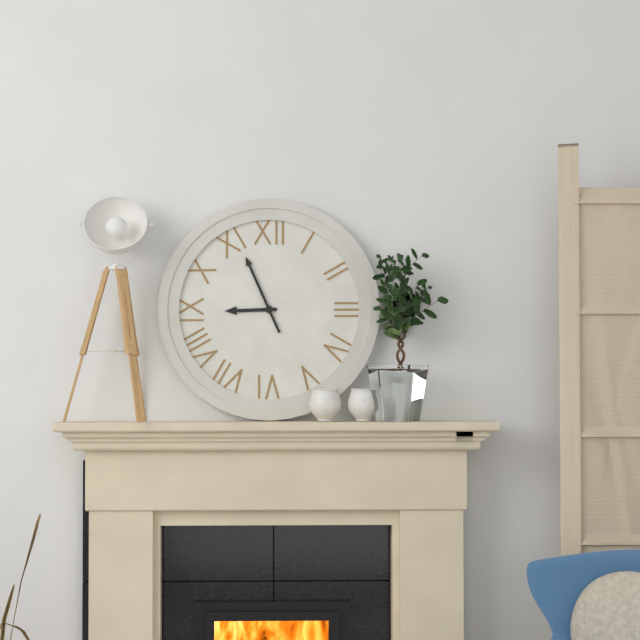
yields h=8 m=56
